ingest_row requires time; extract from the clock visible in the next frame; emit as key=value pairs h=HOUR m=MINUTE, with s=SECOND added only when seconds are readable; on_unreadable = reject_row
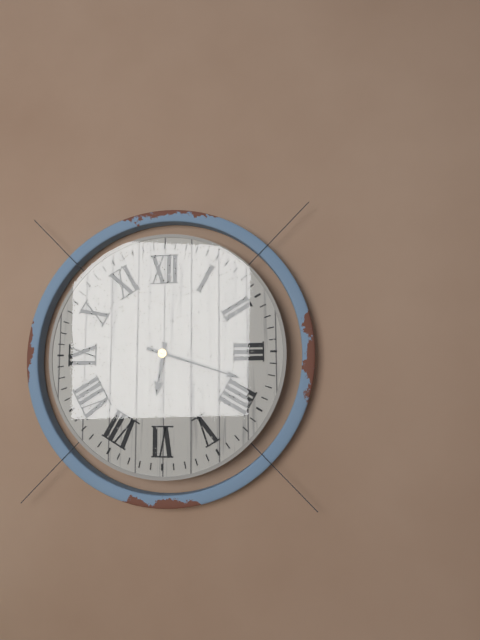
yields h=6 m=18
